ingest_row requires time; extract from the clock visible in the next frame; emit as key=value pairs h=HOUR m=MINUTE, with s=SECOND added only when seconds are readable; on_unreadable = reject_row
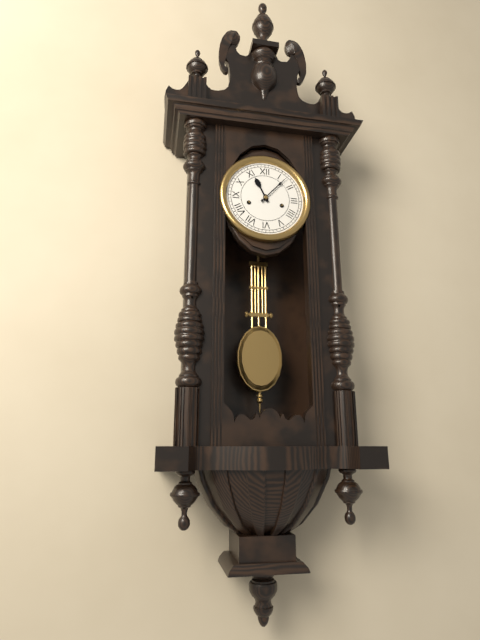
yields h=11 m=7
